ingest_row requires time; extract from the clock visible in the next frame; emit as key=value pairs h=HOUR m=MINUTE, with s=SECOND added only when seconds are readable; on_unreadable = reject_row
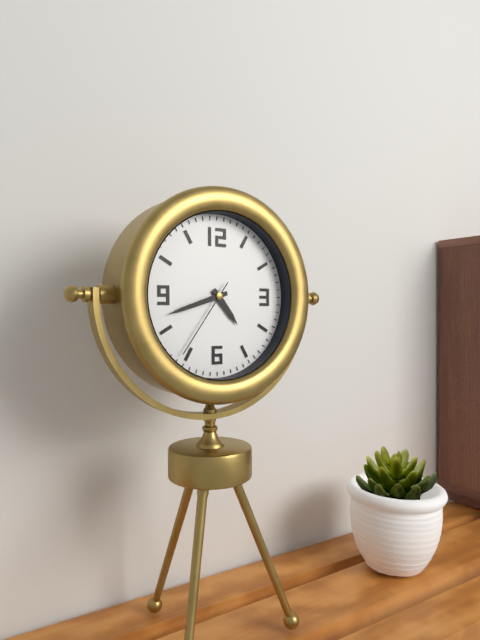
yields h=4 m=42 s=36
